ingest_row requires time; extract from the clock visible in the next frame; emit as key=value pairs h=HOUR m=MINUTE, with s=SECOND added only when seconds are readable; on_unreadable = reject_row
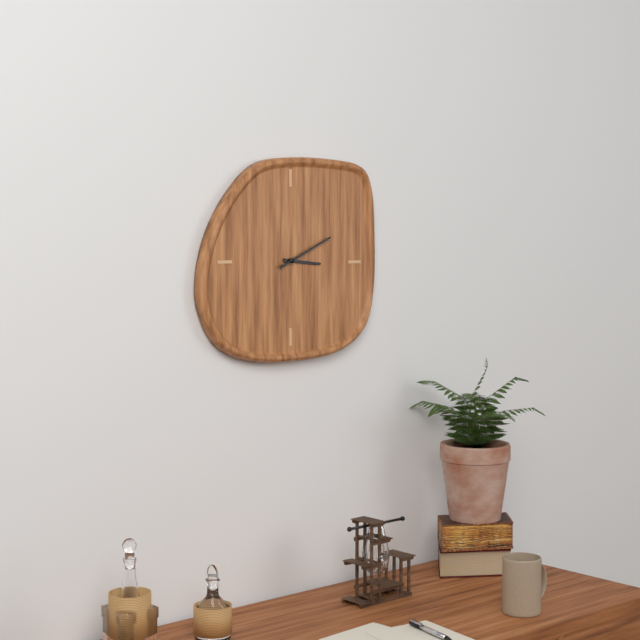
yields h=3 m=11
